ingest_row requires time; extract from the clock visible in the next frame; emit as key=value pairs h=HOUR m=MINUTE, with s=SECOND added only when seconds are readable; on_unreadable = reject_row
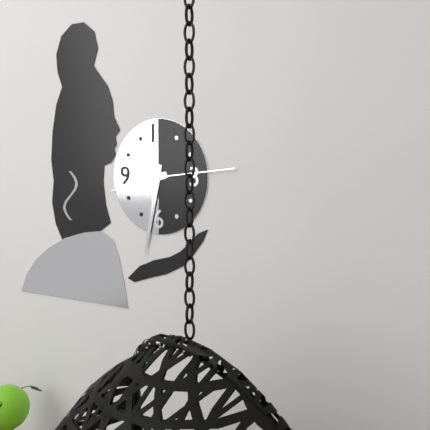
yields h=8 m=32 s=14
